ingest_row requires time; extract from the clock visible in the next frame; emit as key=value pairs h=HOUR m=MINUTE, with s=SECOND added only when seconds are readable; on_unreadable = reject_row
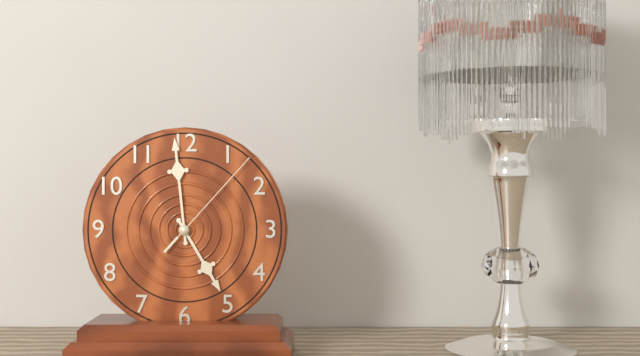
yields h=4 m=59 s=7
